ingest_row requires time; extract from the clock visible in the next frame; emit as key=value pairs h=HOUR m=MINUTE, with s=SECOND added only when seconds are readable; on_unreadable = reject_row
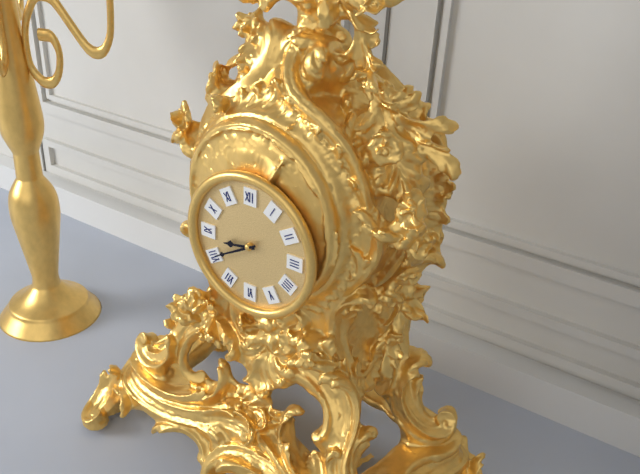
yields h=8 m=40
